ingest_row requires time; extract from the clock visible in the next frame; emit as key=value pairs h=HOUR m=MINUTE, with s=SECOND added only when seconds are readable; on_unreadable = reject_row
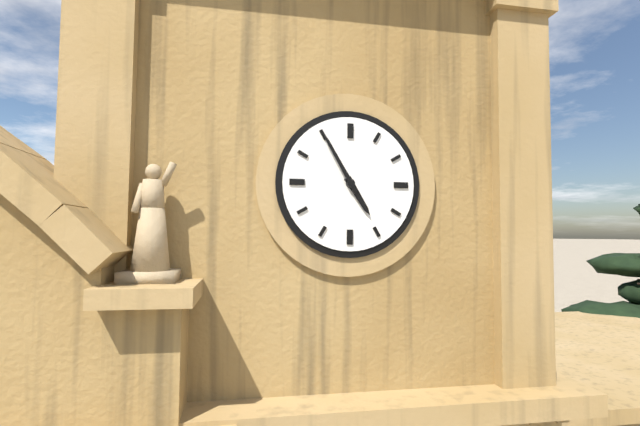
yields h=4 m=55
